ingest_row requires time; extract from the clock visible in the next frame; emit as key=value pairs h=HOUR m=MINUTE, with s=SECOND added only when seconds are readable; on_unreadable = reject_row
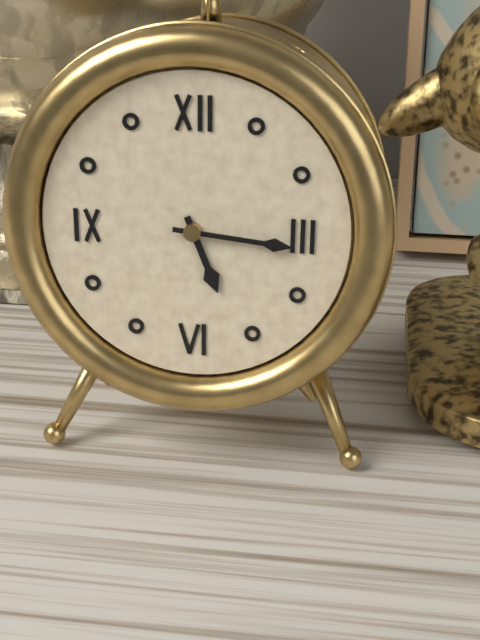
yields h=5 m=16
